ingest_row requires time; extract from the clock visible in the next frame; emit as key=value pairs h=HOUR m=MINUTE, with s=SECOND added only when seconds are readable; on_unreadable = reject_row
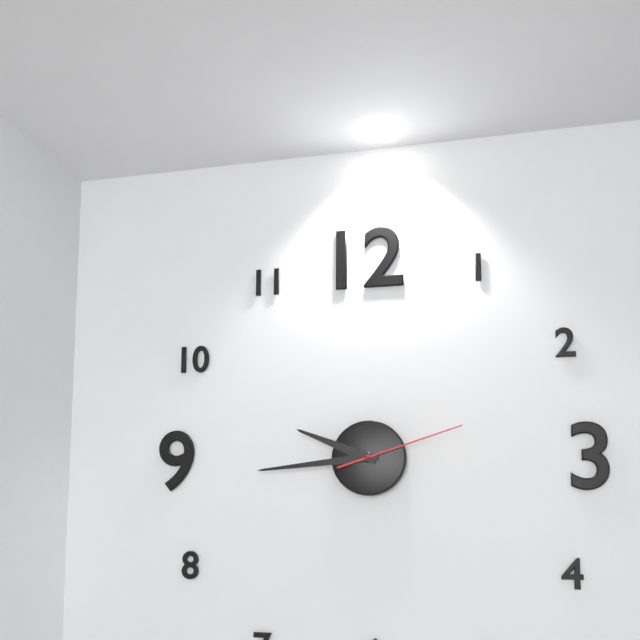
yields h=9 m=44 s=12
